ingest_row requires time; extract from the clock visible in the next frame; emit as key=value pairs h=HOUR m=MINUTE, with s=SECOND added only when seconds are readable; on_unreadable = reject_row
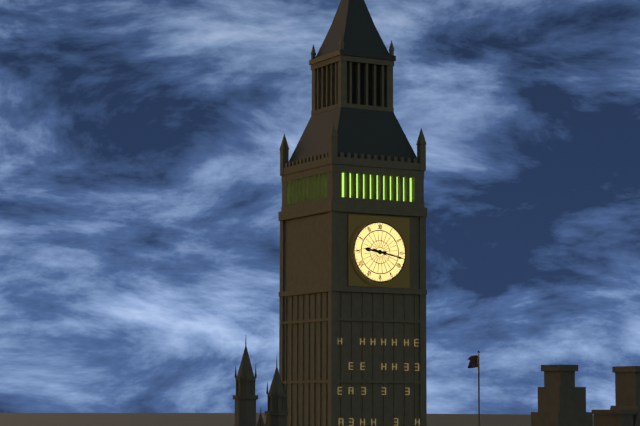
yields h=9 m=17
